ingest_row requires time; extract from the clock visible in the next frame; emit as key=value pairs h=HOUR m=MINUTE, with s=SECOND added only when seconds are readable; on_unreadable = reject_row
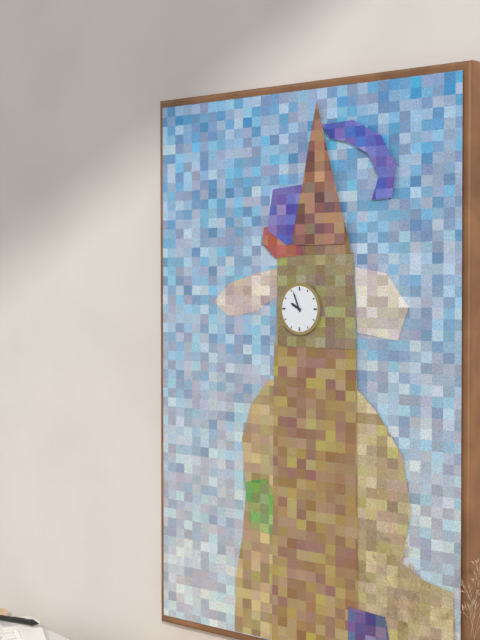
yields h=9 m=56
